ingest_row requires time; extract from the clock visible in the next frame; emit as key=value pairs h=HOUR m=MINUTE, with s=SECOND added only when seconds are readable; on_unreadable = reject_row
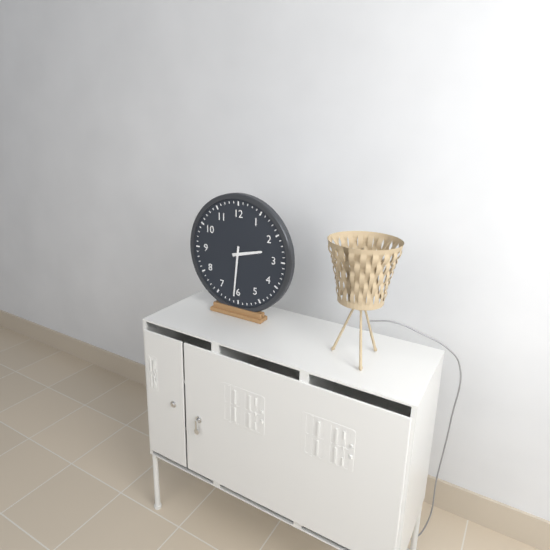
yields h=2 m=31
